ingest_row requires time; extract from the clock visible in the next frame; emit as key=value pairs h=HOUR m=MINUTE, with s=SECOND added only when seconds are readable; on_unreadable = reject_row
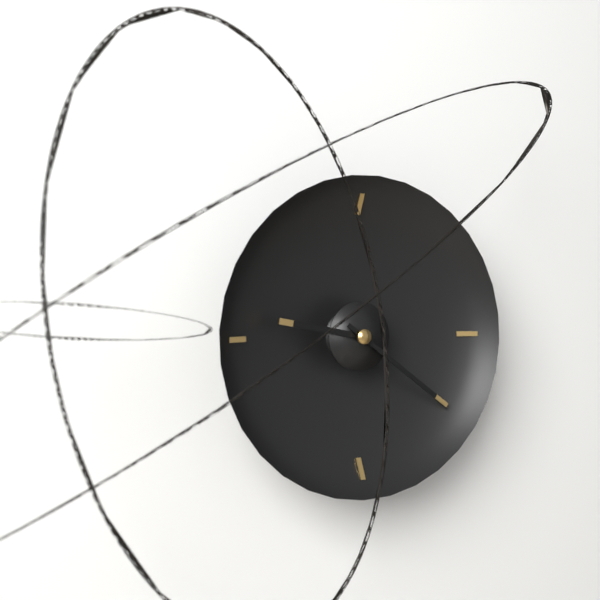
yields h=9 m=21
